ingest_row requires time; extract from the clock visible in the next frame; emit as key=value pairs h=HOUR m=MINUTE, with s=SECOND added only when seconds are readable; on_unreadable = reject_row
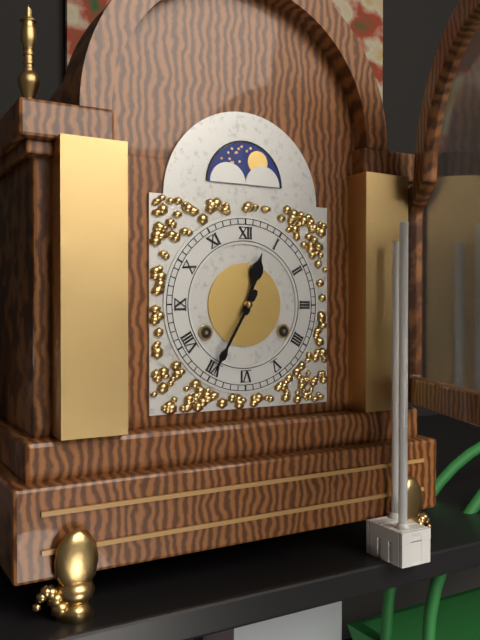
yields h=12 m=35
